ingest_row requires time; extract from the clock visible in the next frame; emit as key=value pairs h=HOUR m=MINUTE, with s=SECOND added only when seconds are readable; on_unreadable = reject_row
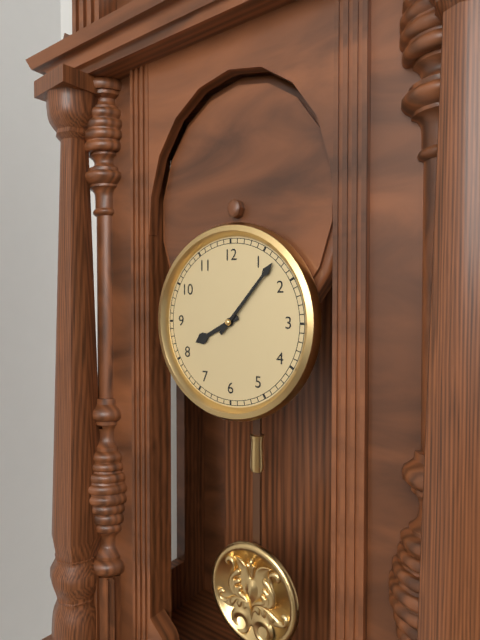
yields h=8 m=7
